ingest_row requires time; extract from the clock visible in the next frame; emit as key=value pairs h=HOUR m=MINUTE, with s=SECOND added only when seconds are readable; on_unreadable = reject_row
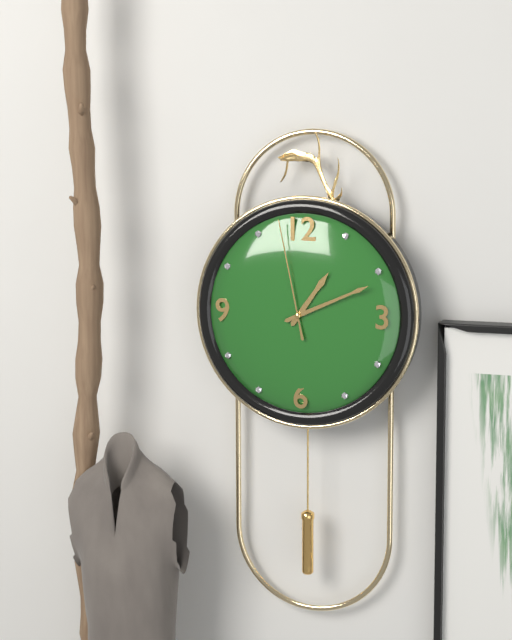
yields h=1 m=11 s=58
